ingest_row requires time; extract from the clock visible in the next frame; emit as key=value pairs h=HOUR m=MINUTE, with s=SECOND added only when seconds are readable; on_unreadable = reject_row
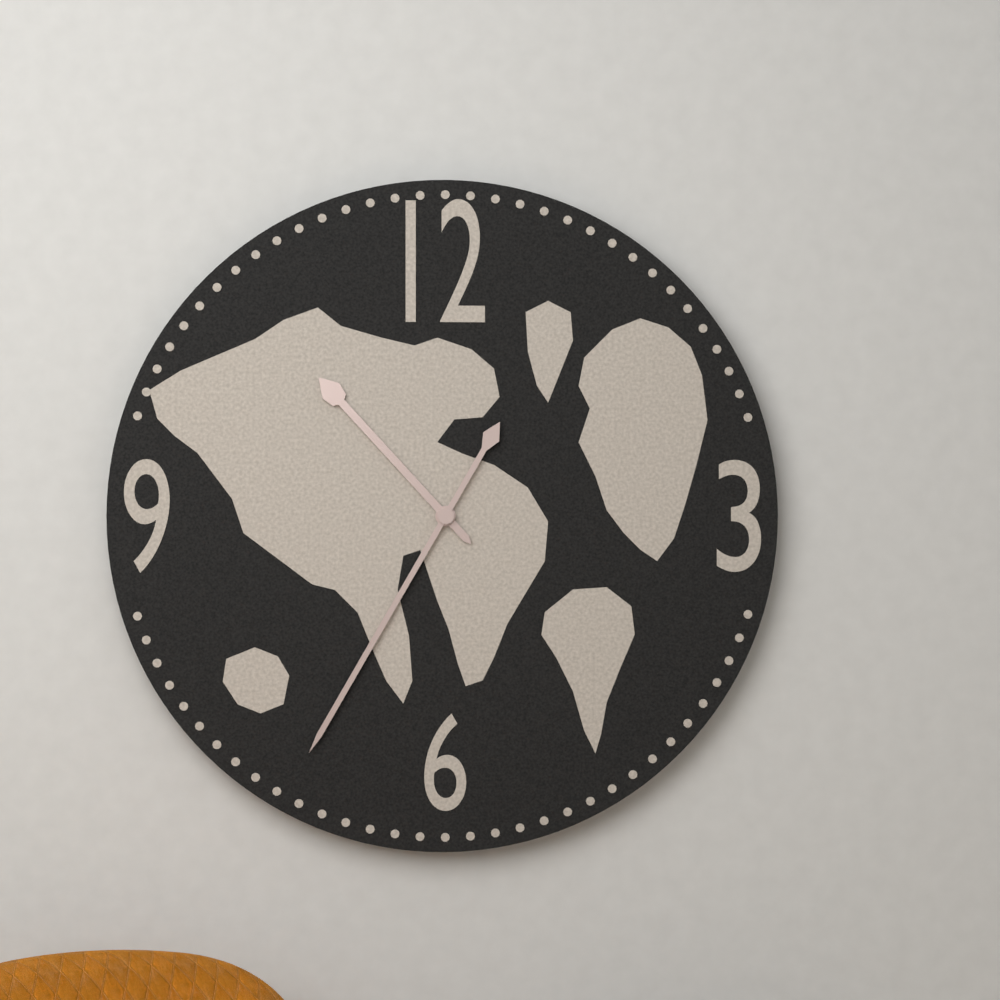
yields h=10 m=35
